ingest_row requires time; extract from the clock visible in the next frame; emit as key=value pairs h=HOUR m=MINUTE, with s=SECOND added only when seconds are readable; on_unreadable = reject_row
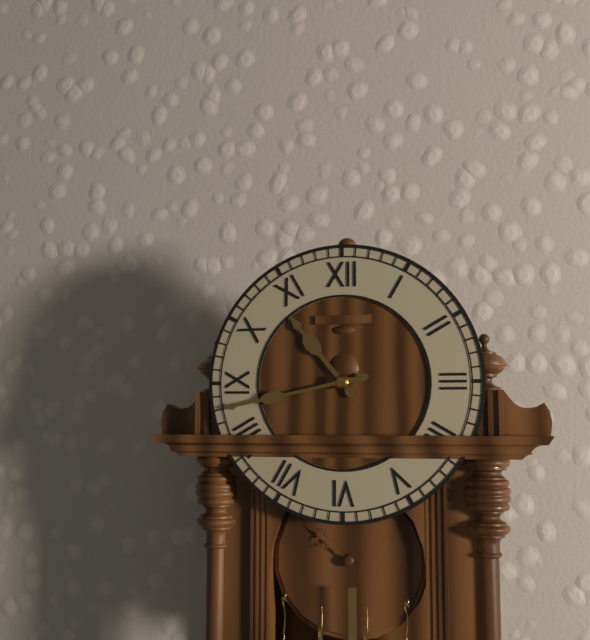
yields h=10 m=43
